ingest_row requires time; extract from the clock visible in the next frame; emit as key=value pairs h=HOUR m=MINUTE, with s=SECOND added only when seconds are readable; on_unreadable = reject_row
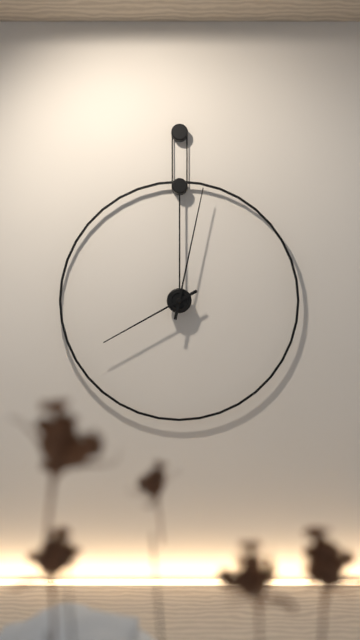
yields h=8 m=2
